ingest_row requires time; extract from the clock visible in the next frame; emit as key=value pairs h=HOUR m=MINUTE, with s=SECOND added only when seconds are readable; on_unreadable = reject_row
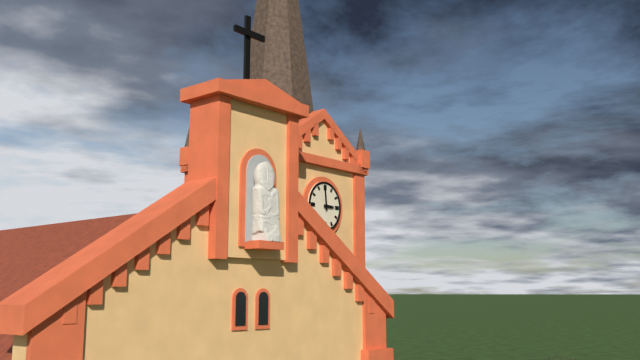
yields h=2 m=59
